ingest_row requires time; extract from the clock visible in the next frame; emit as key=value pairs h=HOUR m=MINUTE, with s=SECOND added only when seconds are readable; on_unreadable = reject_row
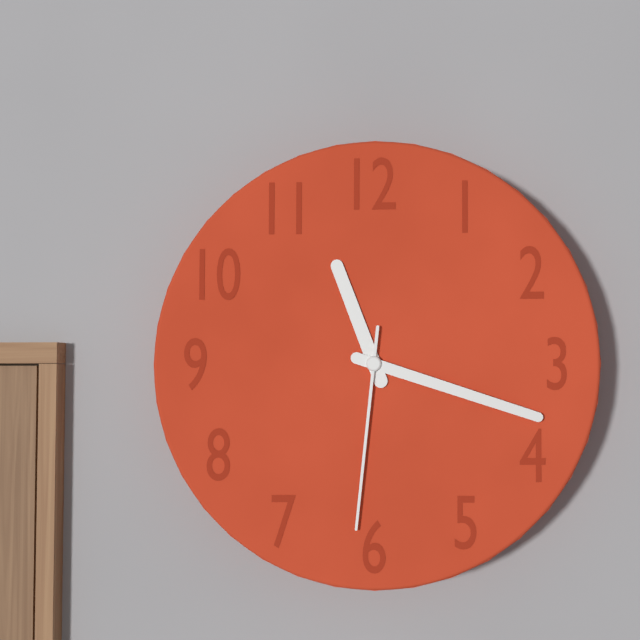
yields h=11 m=18 s=31
